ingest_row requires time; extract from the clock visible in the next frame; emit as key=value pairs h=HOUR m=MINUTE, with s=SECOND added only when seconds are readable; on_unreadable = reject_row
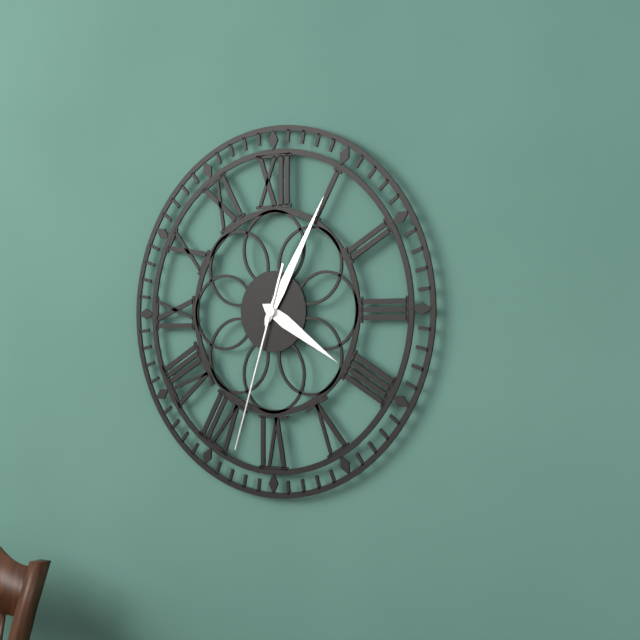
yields h=4 m=5 s=33
